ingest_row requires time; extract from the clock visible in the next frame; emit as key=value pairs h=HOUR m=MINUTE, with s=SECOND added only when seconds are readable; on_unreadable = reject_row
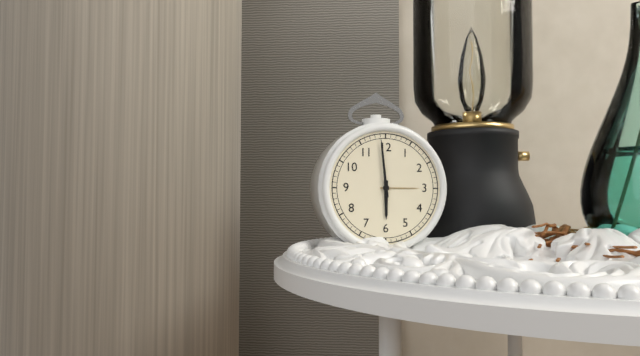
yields h=5 m=59
